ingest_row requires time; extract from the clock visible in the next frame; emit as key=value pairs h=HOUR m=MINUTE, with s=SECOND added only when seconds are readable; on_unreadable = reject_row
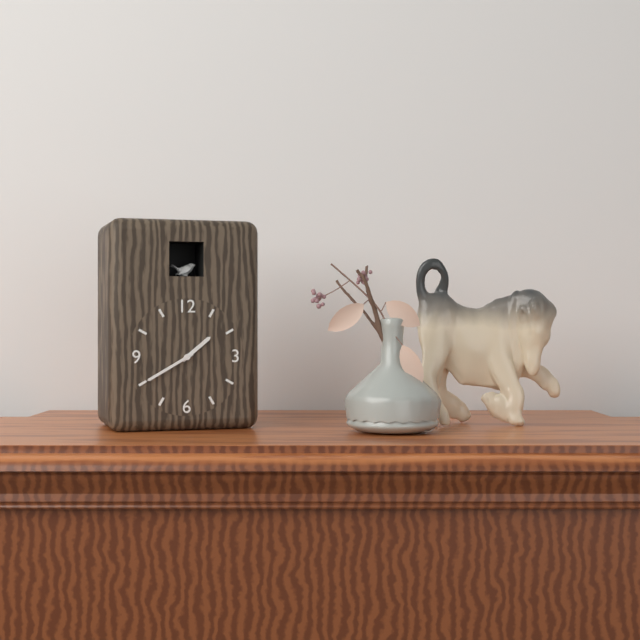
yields h=1 m=40
